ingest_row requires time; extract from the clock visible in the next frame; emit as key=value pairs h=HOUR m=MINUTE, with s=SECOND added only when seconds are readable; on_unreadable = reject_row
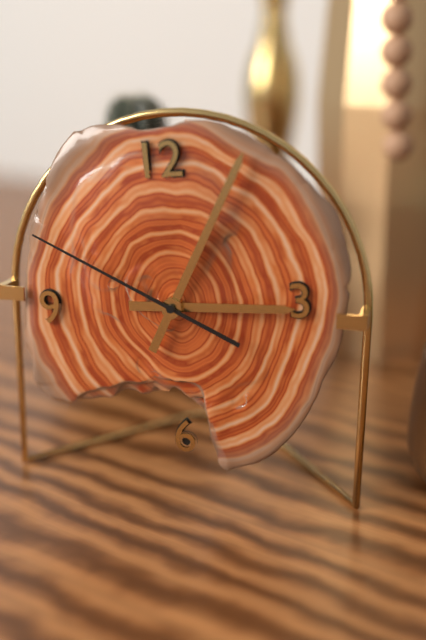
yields h=3 m=5 s=50
